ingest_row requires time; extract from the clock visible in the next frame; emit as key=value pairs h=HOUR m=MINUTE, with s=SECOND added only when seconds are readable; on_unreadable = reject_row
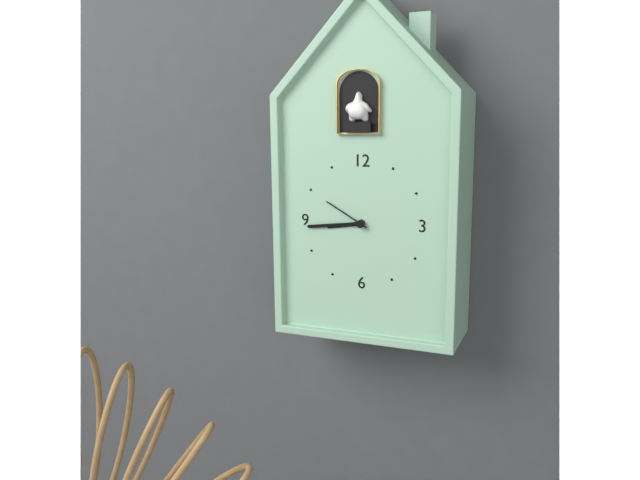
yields h=8 m=44 s=50
